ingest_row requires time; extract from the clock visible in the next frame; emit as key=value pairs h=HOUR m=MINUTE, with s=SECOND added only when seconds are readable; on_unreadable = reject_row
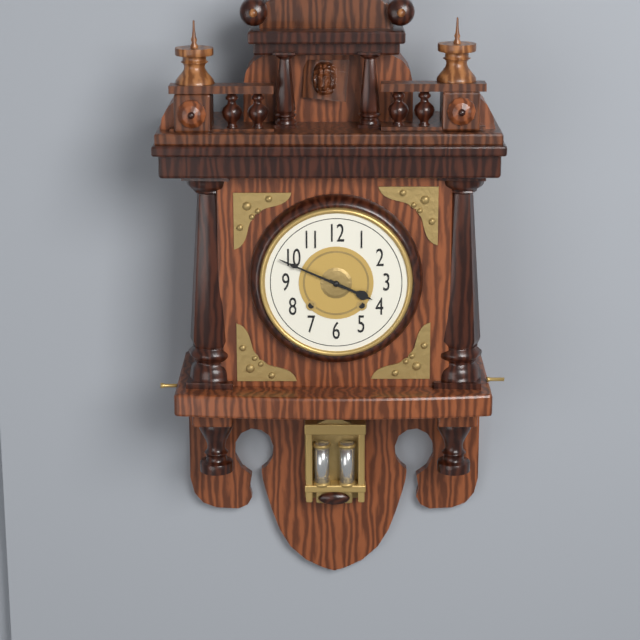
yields h=3 m=49
